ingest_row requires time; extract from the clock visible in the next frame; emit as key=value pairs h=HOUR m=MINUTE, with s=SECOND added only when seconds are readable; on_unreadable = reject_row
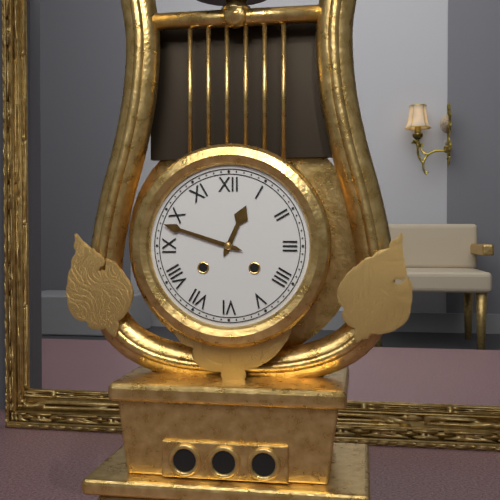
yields h=12 m=48
